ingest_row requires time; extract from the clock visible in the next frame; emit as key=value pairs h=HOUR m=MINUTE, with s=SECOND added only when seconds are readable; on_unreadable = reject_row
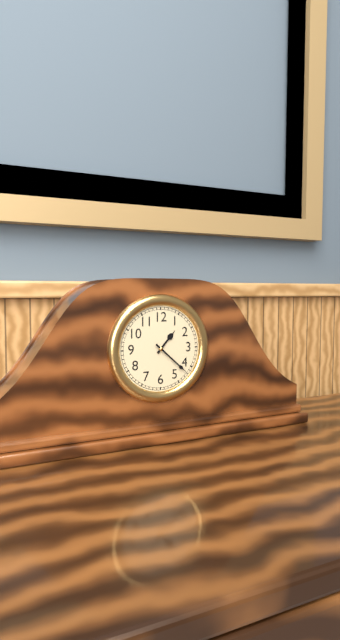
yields h=1 m=22
